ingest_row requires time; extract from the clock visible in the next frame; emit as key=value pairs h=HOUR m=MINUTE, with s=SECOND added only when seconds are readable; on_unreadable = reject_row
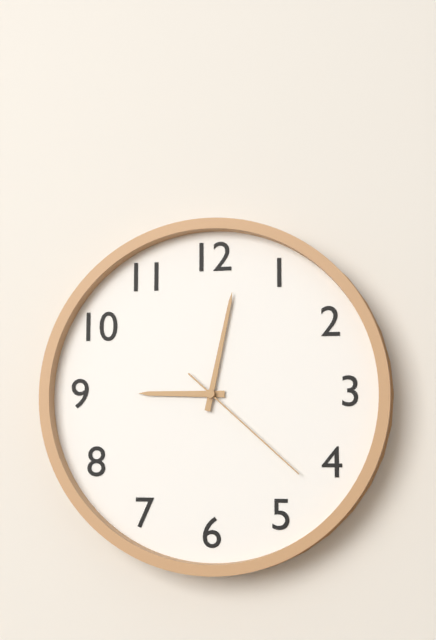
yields h=9 m=2 s=22
